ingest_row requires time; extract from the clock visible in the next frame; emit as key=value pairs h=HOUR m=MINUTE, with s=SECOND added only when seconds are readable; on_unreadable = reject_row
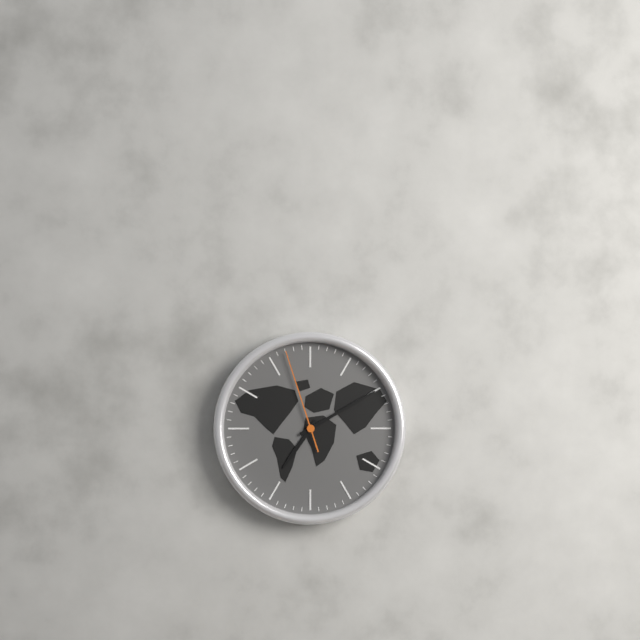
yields h=7 m=10 s=57
